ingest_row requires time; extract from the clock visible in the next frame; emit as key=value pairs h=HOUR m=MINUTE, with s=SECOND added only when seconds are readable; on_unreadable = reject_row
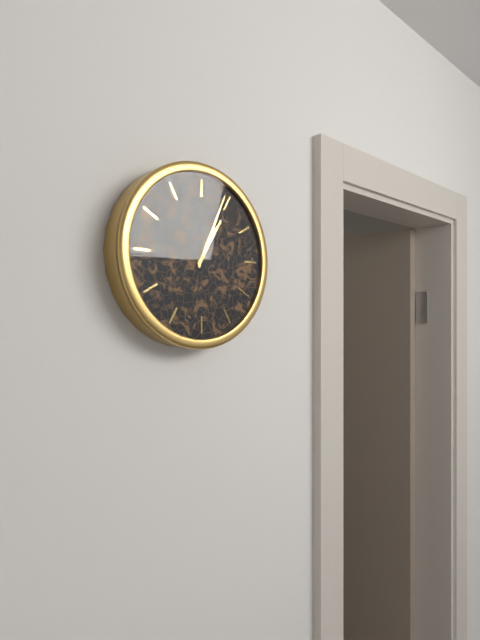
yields h=1 m=4
